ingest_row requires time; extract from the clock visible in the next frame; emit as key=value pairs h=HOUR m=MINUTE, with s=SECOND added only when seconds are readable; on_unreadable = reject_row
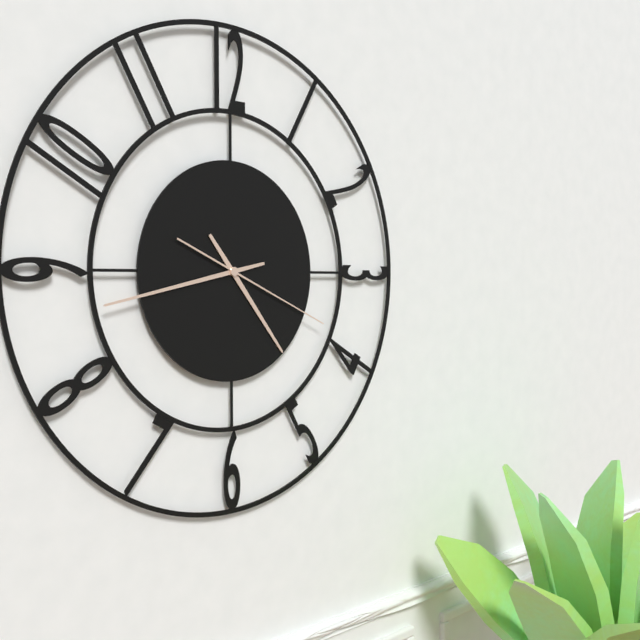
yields h=4 m=43 s=19
